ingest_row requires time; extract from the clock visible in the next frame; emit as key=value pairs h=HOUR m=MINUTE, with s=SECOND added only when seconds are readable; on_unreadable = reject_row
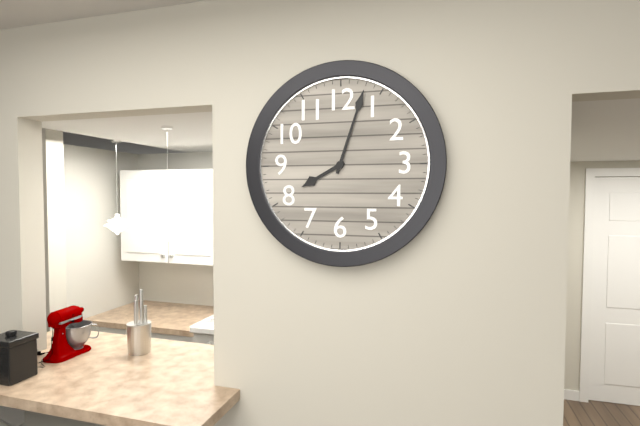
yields h=8 m=3
